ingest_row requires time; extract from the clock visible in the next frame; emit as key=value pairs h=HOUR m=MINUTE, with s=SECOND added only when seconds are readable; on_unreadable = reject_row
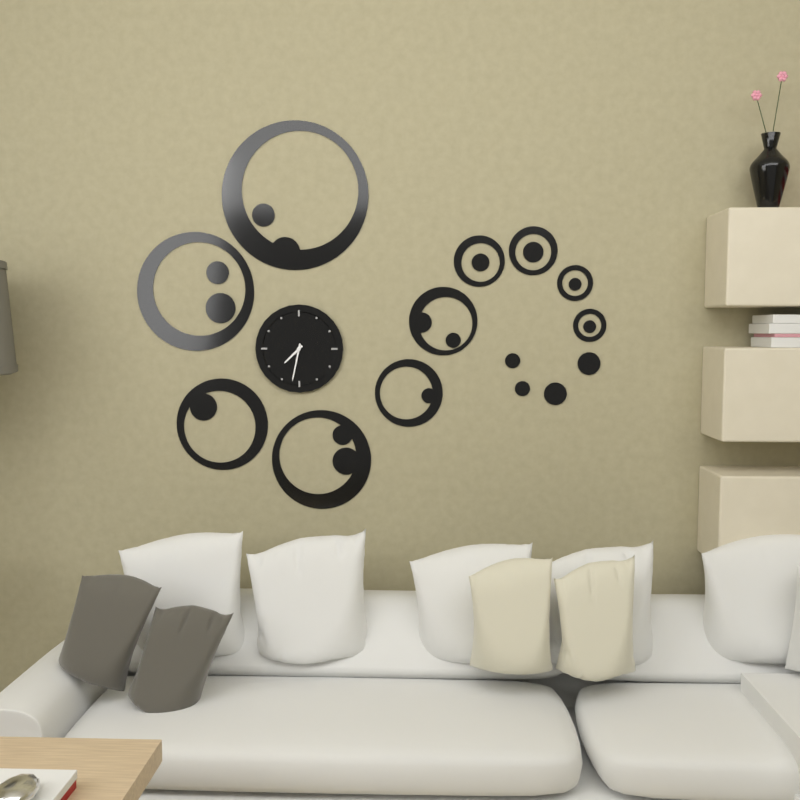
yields h=7 m=32
